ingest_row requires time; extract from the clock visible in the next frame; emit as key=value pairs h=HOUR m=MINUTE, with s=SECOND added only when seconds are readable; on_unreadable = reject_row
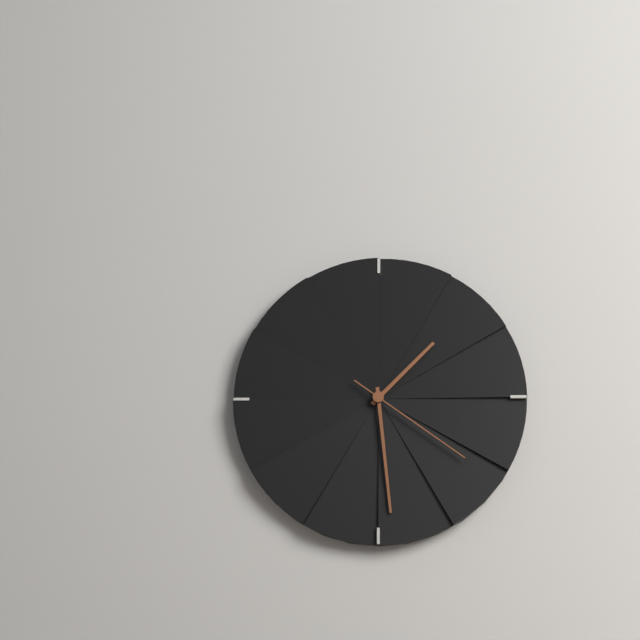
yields h=1 m=29 s=21
